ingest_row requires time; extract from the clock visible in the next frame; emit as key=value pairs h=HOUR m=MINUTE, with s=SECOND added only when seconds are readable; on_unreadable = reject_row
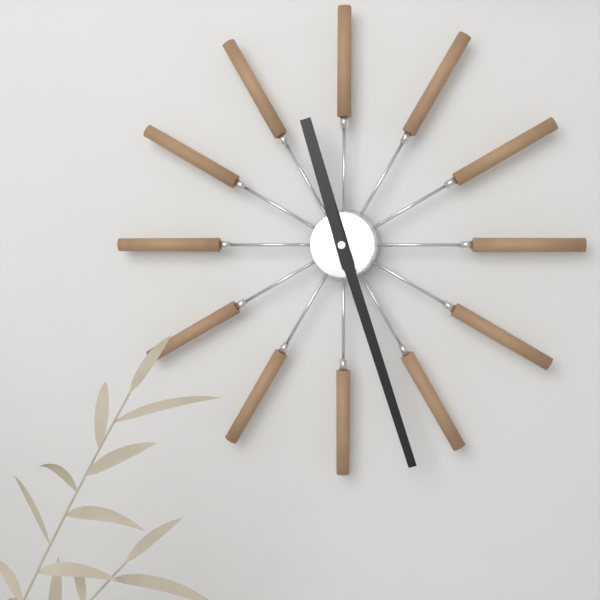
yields h=11 m=27
